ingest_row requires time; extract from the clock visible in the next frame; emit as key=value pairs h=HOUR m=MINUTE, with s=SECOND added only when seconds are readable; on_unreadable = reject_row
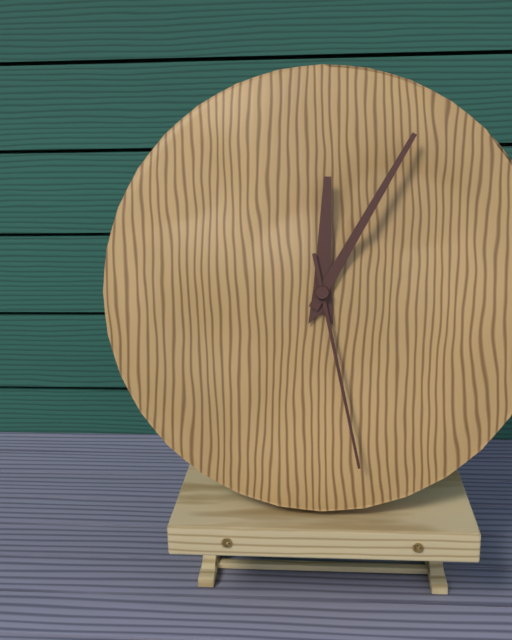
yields h=12 m=5 s=28
